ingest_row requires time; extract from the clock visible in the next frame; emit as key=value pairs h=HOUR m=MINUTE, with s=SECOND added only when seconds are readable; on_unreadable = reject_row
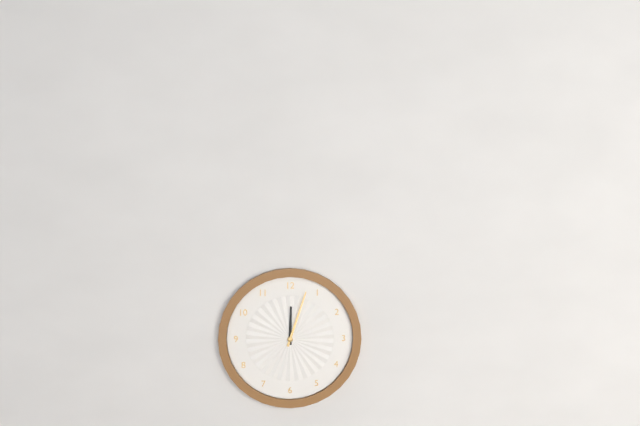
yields h=12 m=3
